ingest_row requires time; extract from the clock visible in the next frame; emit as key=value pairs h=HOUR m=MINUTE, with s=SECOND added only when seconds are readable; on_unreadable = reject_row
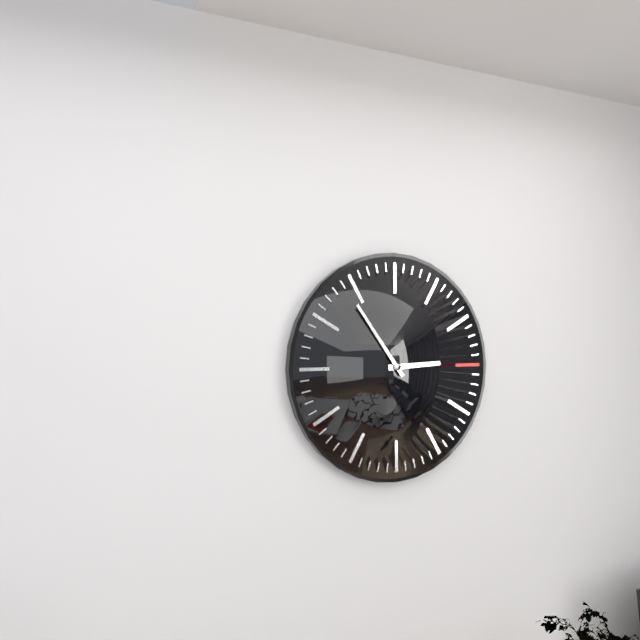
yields h=2 m=54
